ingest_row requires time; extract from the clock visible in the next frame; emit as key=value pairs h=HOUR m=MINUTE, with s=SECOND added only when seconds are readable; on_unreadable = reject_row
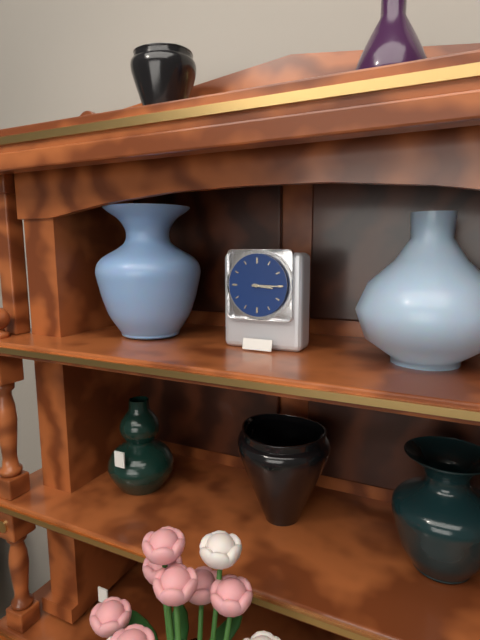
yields h=3 m=15
